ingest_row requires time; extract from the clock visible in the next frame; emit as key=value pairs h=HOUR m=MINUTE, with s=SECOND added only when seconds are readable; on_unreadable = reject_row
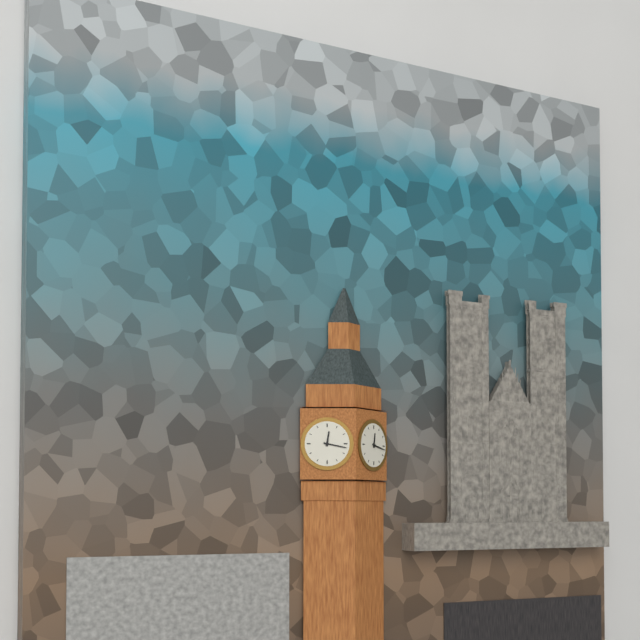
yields h=12 m=17
